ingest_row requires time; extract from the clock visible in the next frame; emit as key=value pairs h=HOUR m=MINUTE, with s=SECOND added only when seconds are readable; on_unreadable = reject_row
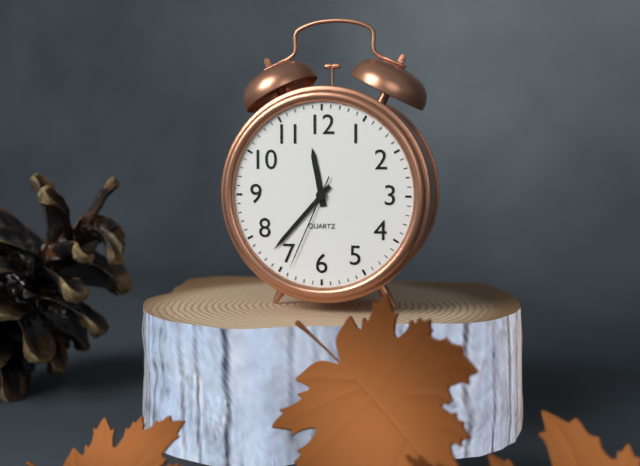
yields h=11 m=37 s=34
